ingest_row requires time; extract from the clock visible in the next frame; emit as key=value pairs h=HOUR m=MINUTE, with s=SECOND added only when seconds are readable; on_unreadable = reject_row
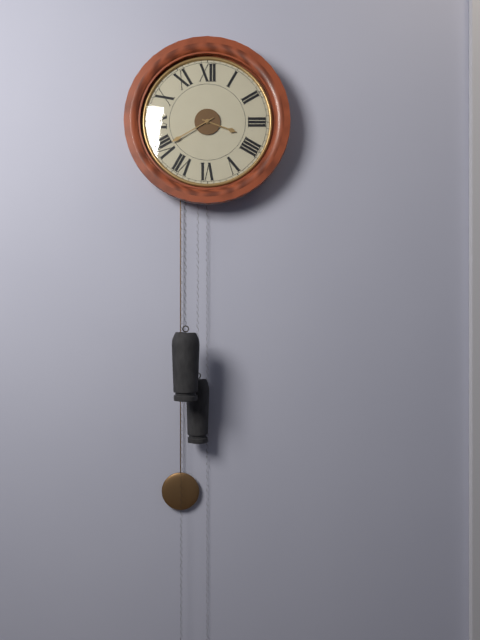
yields h=3 m=40
